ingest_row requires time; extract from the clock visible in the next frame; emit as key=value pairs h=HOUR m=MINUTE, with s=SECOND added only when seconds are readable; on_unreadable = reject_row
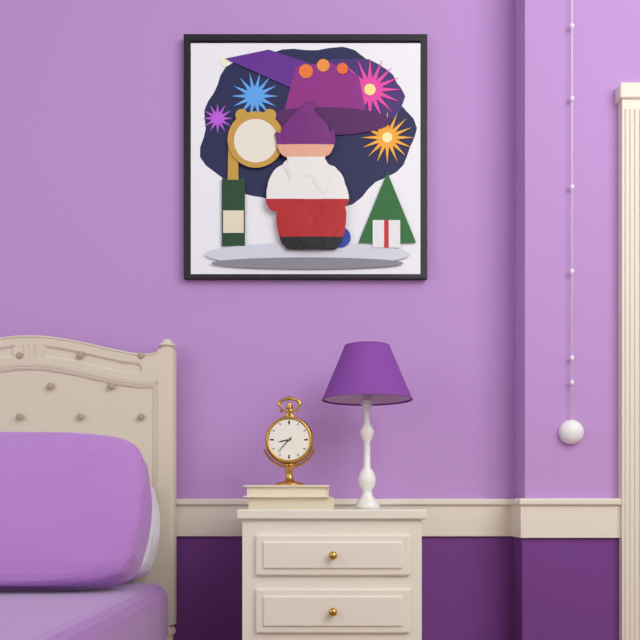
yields h=8 m=37
